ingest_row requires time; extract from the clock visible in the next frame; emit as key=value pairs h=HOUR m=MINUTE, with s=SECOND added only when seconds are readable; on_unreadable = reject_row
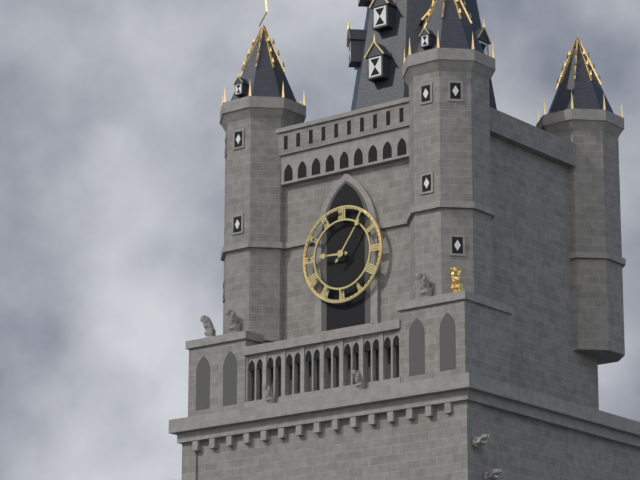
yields h=9 m=6
